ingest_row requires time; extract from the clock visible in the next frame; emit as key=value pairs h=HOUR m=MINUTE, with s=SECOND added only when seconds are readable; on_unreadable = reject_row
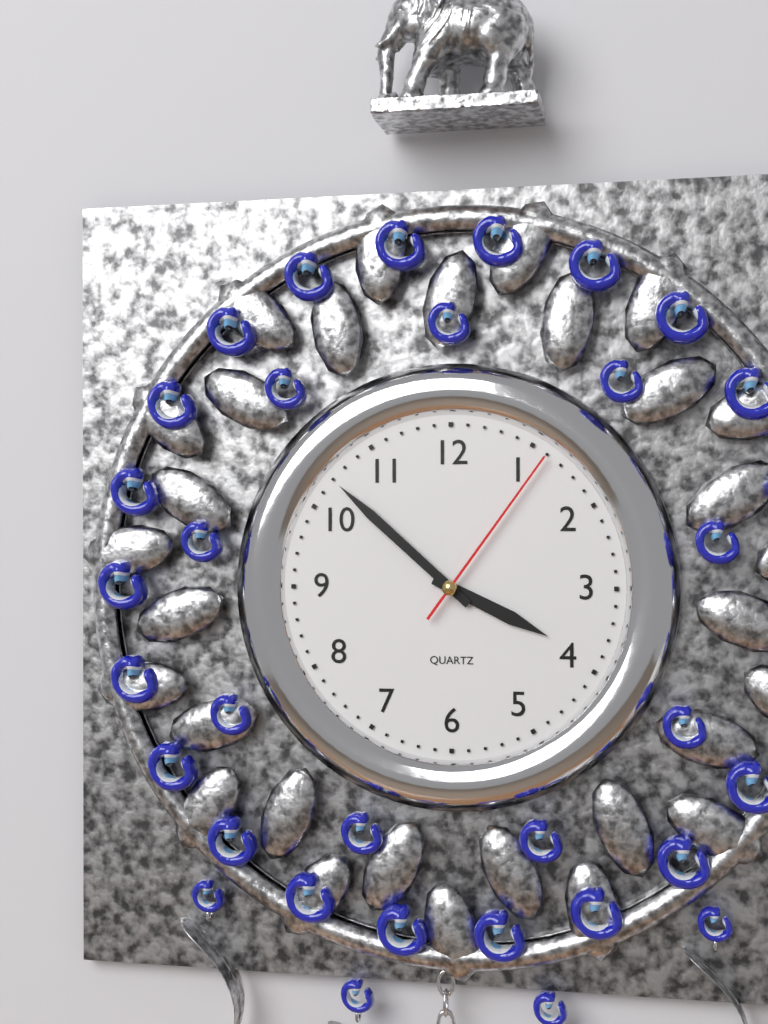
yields h=3 m=52 s=6
